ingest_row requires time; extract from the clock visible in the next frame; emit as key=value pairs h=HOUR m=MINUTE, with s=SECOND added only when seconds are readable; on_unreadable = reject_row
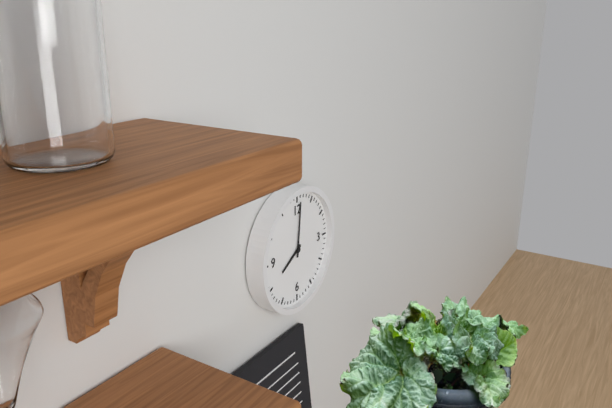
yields h=8 m=1
